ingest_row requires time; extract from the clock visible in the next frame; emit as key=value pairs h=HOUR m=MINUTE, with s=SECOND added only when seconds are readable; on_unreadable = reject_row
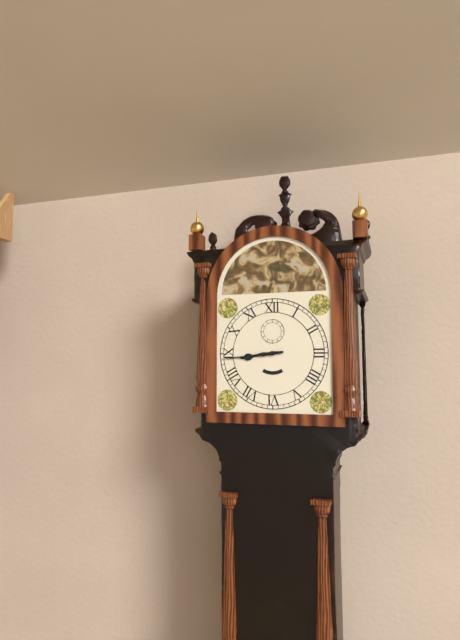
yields h=8 m=44
